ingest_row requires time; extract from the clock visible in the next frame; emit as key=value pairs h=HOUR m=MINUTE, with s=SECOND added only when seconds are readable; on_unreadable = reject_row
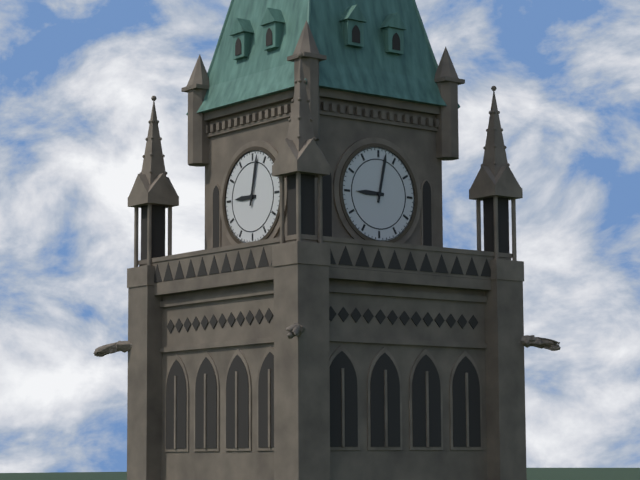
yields h=9 m=2
